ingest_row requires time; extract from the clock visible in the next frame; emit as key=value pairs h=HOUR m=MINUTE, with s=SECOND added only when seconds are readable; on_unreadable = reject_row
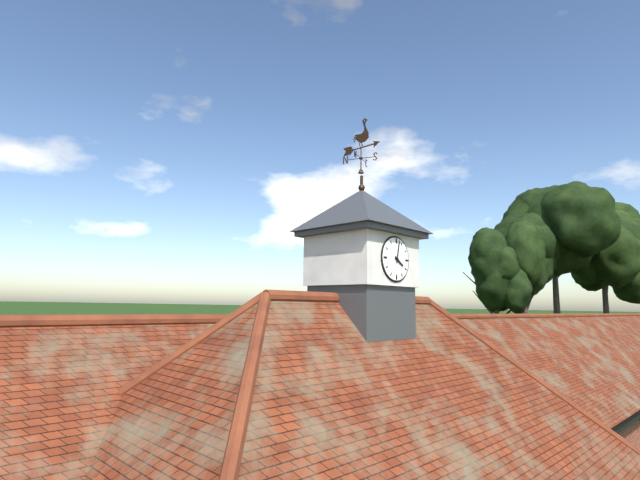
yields h=4 m=2
